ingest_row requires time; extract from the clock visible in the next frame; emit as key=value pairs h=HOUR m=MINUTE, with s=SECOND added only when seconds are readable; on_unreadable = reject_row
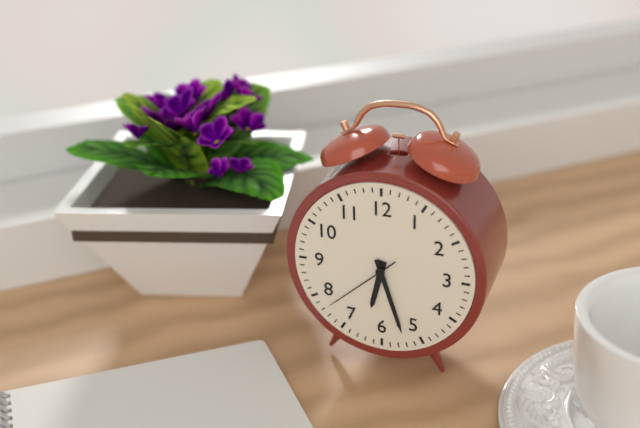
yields h=6 m=27 s=38
